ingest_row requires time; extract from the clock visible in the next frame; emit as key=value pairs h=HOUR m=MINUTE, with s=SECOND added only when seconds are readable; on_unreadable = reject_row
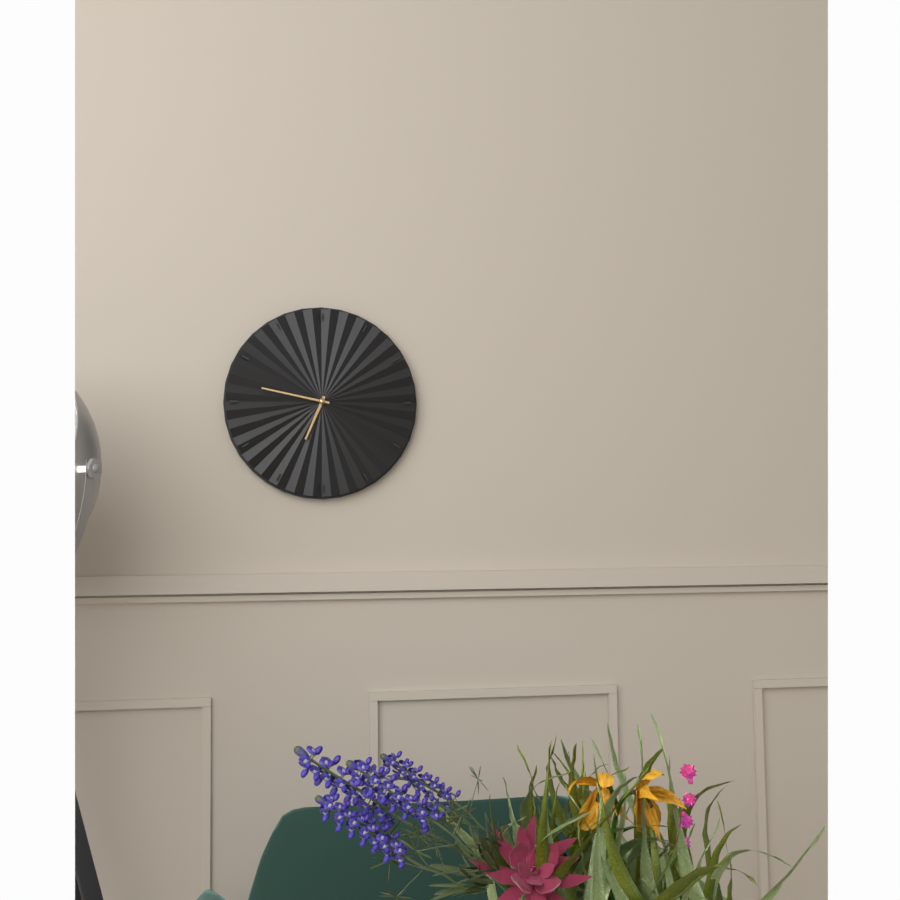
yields h=6 m=47
